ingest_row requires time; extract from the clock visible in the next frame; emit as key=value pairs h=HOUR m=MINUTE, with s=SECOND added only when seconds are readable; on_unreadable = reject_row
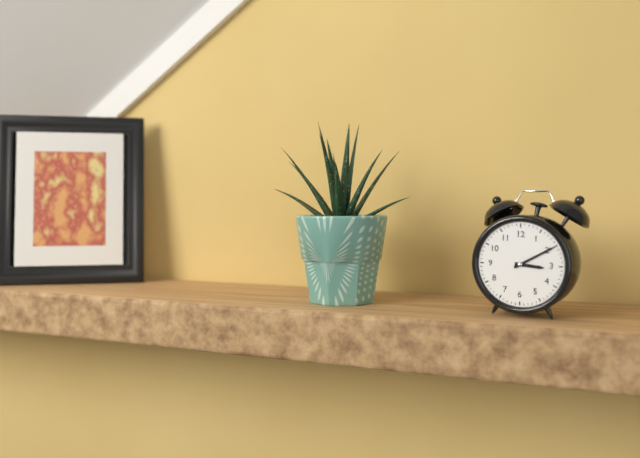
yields h=3 m=10
